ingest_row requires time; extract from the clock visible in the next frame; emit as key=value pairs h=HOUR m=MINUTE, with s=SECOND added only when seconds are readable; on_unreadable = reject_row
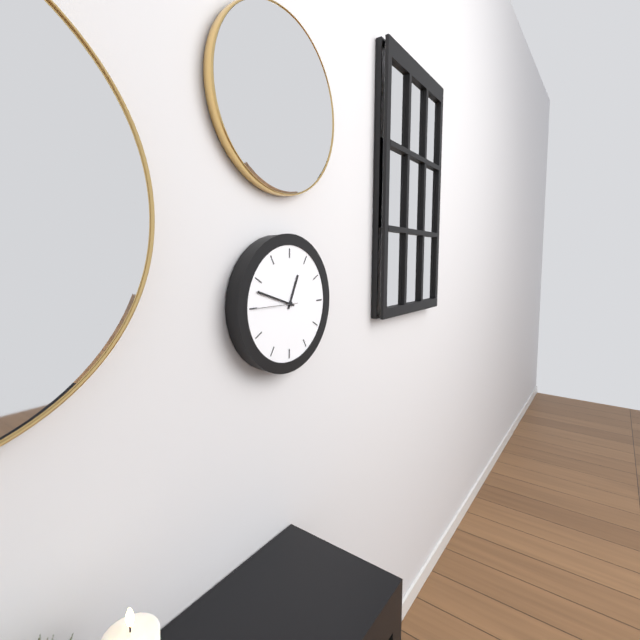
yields h=12 m=48
